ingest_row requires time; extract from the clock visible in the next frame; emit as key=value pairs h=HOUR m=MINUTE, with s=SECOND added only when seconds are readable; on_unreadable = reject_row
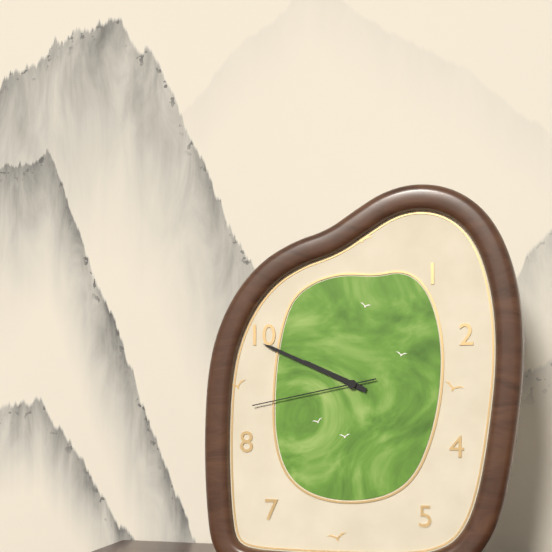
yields h=9 m=49 s=43
